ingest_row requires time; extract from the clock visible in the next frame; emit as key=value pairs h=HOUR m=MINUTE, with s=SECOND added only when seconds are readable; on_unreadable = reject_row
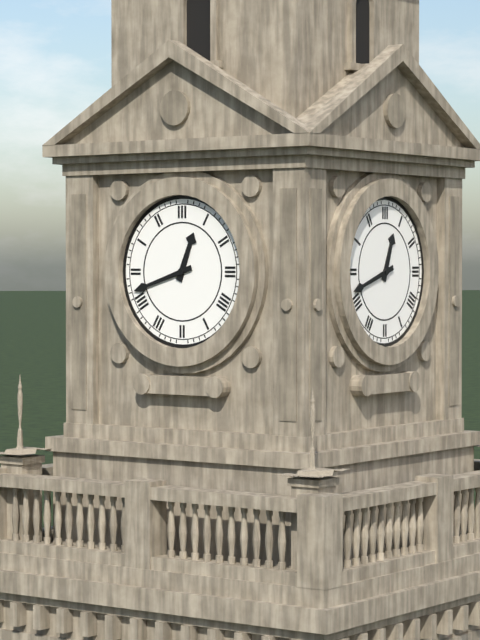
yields h=12 m=42
